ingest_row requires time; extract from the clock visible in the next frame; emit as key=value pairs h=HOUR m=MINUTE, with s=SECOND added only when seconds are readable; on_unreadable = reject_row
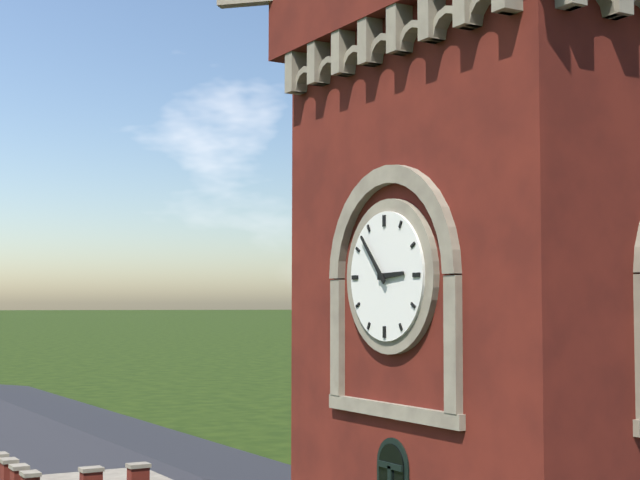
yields h=2 m=53
